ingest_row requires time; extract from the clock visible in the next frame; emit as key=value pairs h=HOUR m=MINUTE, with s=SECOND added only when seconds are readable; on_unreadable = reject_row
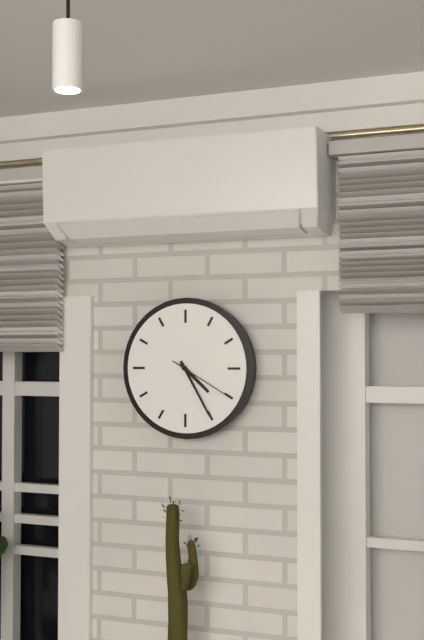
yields h=4 m=25 s=20
